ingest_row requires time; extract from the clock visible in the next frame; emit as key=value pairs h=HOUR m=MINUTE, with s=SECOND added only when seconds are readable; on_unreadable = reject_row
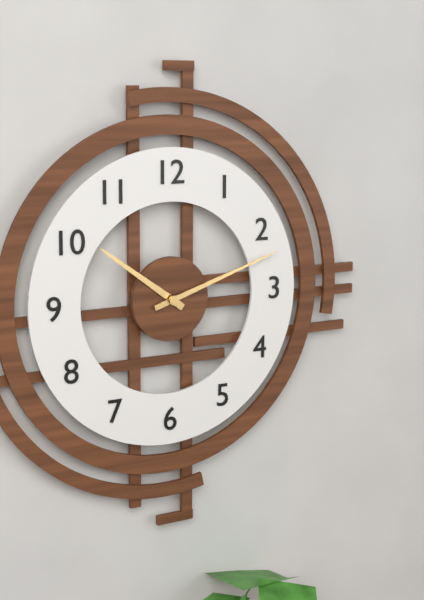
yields h=10 m=12
